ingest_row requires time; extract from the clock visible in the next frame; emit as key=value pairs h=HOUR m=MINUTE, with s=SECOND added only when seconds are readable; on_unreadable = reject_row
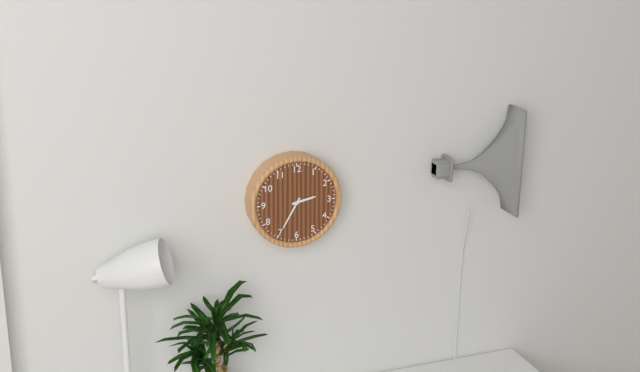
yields h=2 m=35
